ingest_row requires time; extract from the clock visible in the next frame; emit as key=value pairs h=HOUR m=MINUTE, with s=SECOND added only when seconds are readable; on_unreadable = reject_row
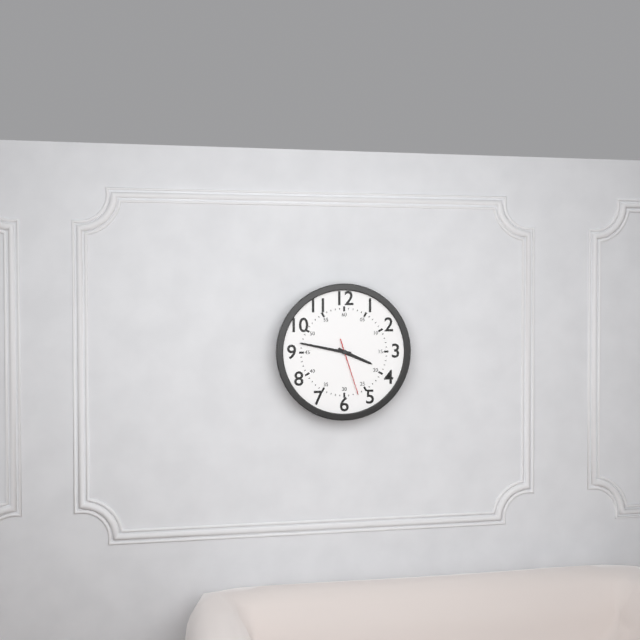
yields h=3 m=47 s=27
